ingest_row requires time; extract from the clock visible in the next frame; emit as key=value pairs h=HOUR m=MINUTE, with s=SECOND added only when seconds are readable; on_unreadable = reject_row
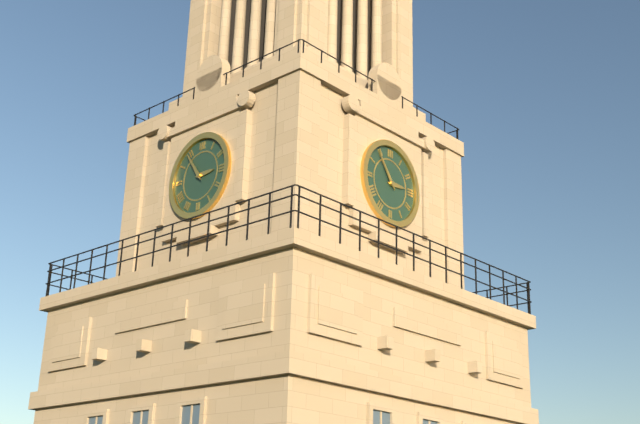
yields h=2 m=54
